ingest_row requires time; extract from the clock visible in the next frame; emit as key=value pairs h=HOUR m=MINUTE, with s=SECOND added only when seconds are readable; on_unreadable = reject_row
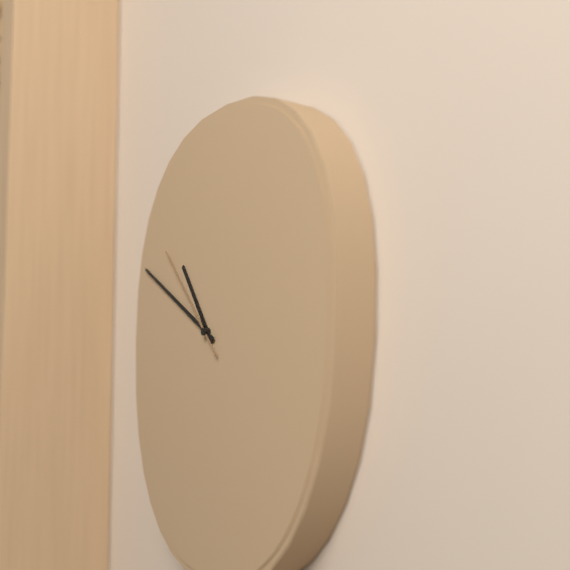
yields h=10 m=50 s=53
